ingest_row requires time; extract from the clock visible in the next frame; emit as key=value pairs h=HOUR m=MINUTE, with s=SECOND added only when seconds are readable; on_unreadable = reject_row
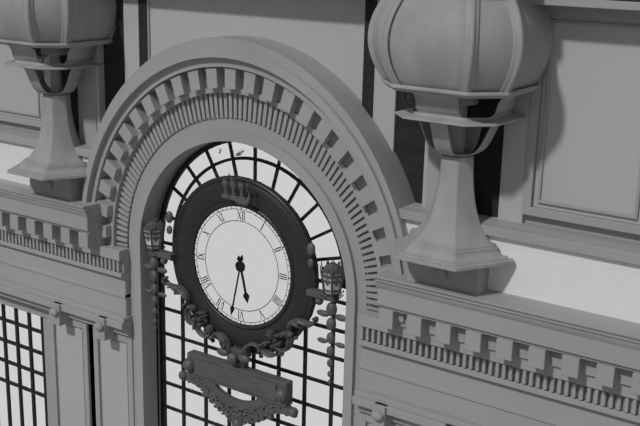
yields h=5 m=32
